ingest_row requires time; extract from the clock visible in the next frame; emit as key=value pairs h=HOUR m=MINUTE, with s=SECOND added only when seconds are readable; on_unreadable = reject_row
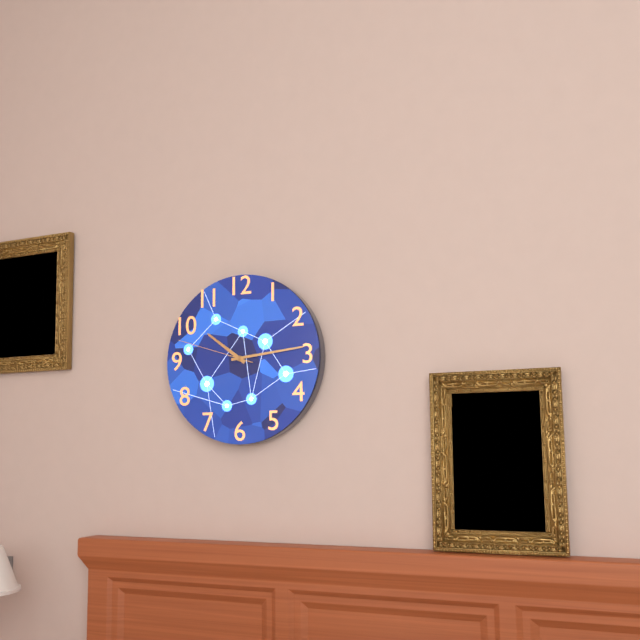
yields h=10 m=14 s=48
